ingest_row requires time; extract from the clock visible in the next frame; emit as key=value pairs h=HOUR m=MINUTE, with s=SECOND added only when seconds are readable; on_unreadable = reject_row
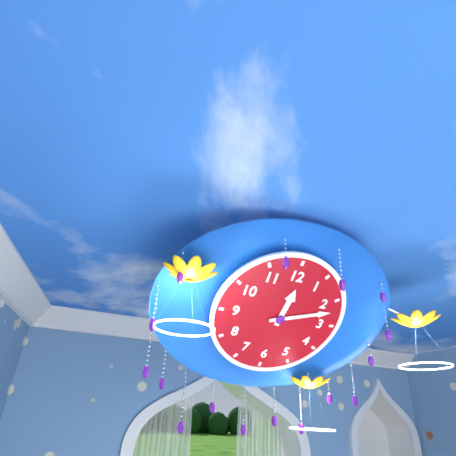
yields h=12 m=12
